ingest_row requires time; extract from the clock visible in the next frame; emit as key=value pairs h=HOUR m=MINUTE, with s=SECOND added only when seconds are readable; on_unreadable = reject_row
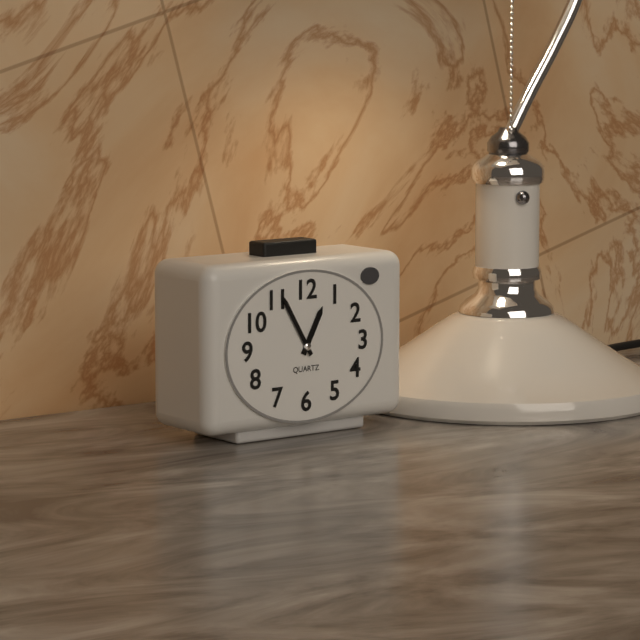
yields h=12 m=55
